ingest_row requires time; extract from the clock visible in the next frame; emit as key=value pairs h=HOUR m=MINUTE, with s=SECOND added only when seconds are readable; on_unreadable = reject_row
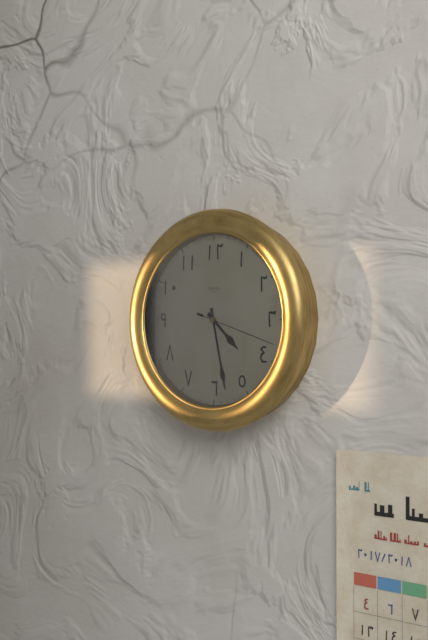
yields h=4 m=28 s=18
